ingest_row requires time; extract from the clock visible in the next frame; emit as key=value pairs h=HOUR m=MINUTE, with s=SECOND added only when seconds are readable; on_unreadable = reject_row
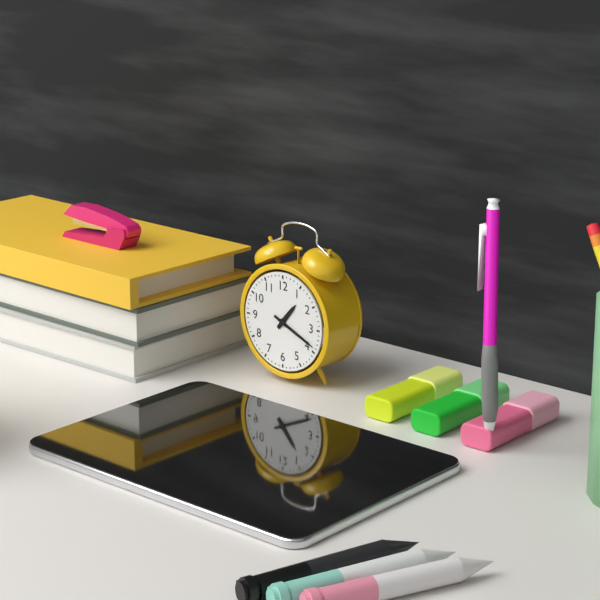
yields h=1 m=19
